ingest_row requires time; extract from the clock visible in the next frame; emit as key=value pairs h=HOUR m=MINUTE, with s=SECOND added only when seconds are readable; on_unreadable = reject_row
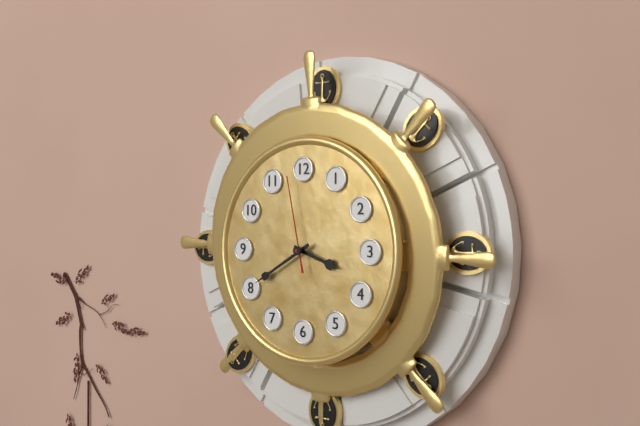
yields h=3 m=40 s=58
